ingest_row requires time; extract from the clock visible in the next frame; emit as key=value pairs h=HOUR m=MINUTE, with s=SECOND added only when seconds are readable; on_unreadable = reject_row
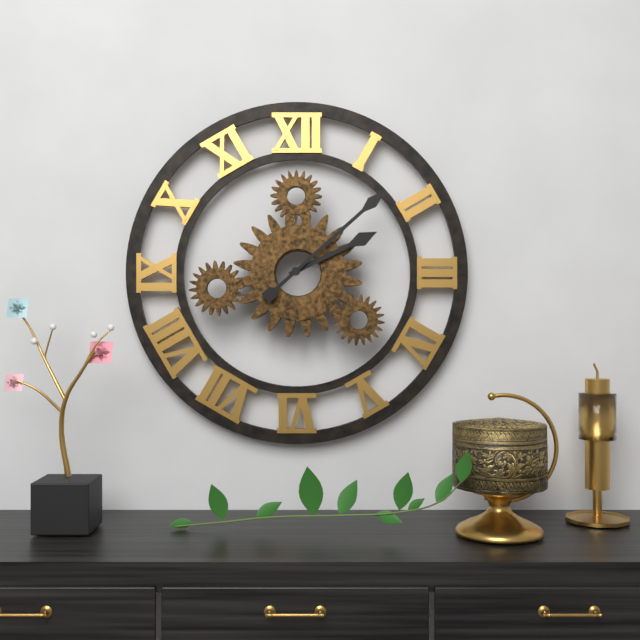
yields h=2 m=8
